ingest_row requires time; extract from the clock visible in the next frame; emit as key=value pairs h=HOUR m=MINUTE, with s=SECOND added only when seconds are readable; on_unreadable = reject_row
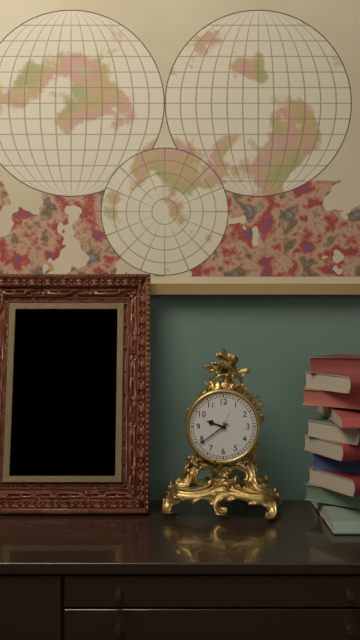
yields h=9 m=39
